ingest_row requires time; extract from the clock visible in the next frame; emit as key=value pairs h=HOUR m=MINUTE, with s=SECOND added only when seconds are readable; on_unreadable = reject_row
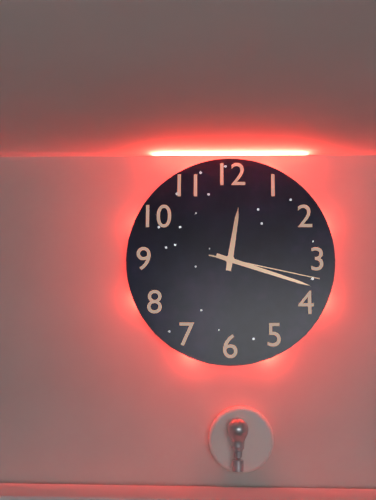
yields h=12 m=18 s=17
